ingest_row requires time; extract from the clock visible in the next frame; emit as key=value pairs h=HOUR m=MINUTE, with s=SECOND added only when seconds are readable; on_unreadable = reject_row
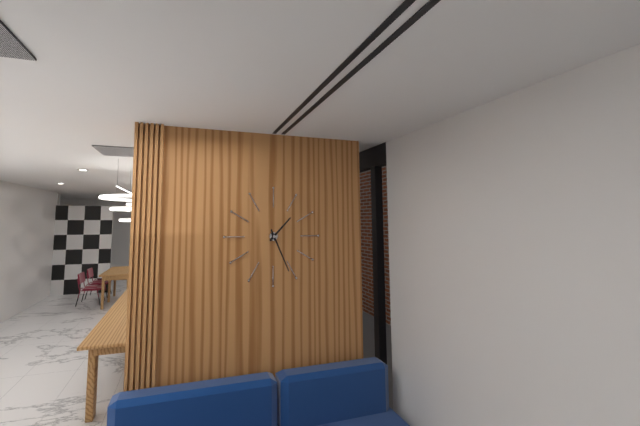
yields h=1 m=26
